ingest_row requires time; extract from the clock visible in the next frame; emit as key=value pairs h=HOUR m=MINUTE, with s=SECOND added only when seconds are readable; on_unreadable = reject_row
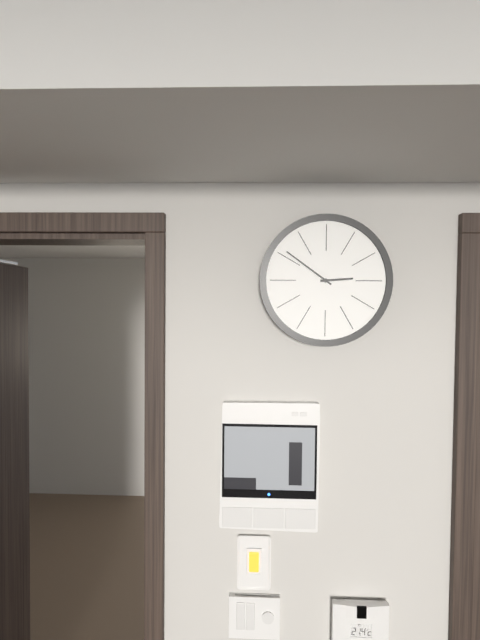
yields h=2 m=51
